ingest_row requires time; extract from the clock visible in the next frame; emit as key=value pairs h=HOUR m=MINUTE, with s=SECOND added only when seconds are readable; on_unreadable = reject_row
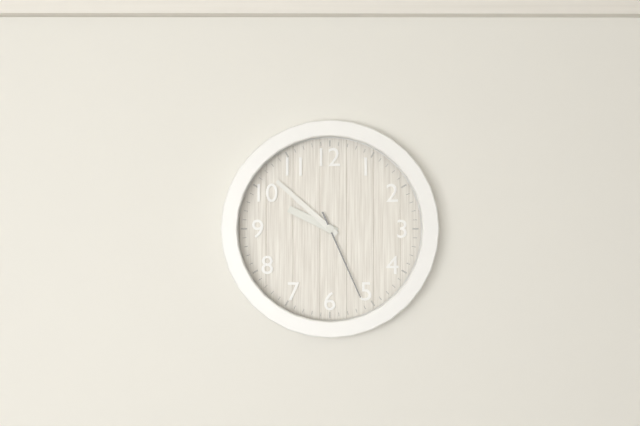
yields h=9 m=52 s=26
